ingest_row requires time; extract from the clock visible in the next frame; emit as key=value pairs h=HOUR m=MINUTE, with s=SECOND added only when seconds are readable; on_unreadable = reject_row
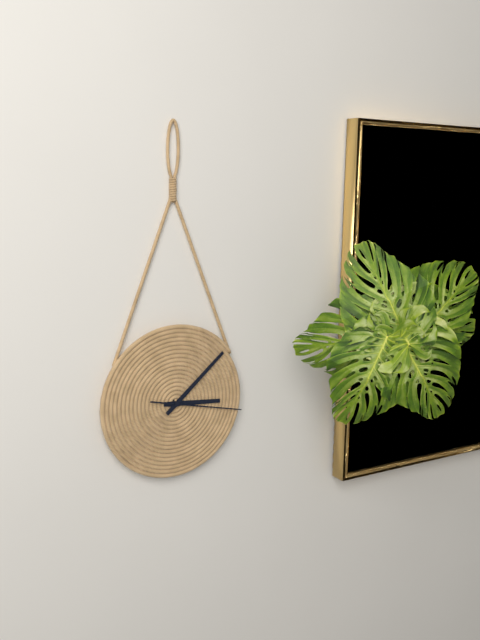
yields h=3 m=8 s=17
